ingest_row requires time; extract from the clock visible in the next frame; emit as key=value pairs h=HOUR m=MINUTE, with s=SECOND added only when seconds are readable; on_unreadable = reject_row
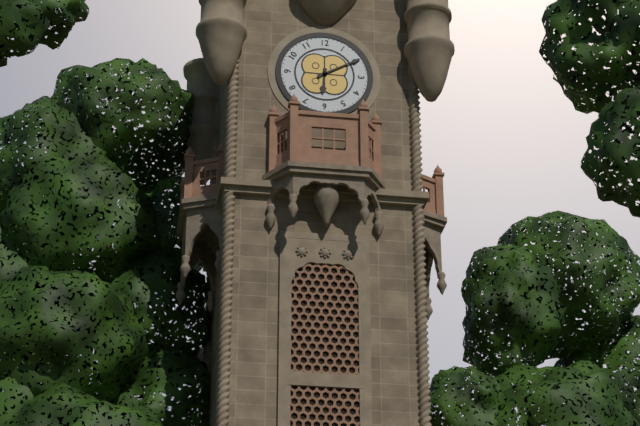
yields h=6 m=10
